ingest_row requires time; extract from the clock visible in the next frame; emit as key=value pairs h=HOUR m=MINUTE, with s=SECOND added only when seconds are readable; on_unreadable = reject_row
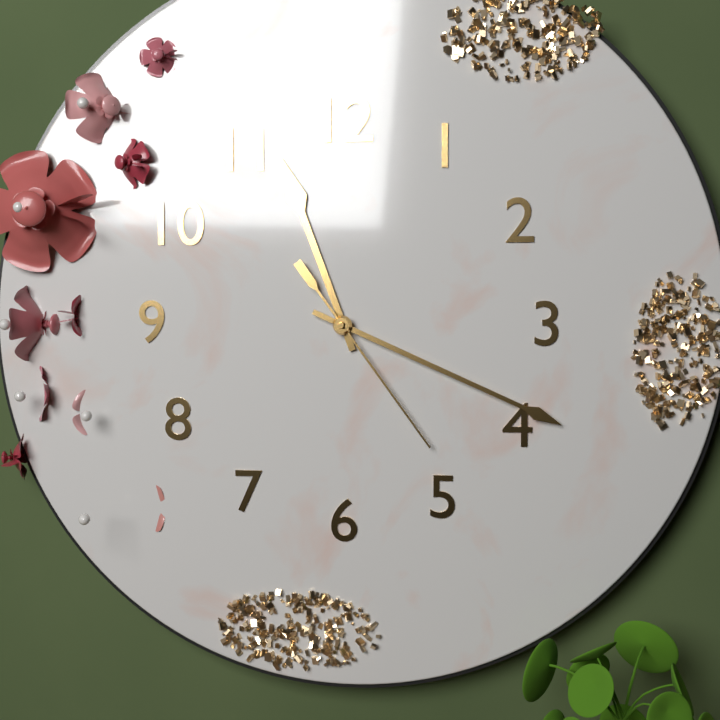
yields h=11 m=19 s=24
